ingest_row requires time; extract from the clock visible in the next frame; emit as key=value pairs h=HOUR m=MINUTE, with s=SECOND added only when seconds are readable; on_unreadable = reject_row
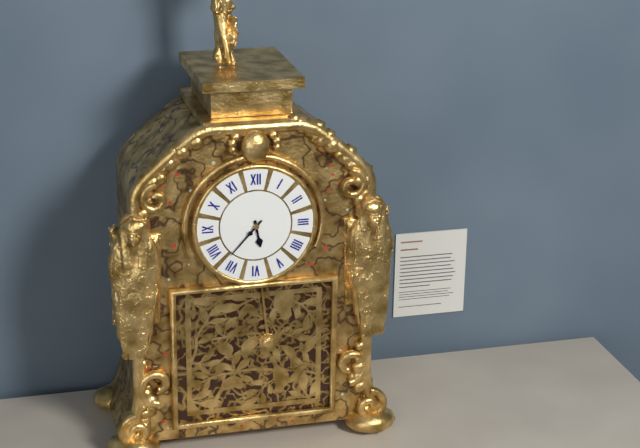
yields h=5 m=37
